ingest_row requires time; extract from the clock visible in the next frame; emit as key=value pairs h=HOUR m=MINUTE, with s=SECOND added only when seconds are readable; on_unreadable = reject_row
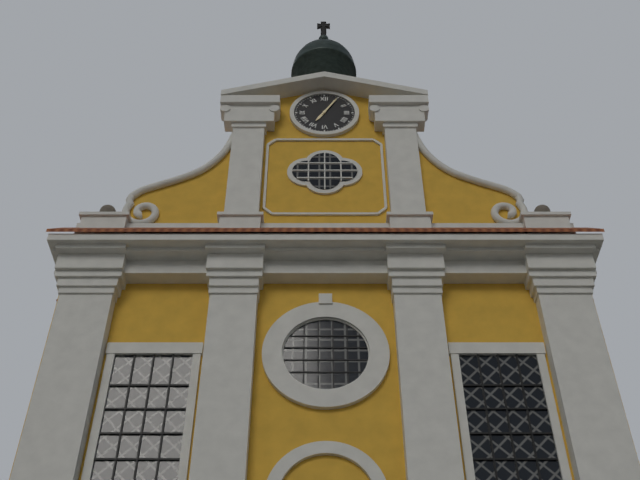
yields h=7 m=5
